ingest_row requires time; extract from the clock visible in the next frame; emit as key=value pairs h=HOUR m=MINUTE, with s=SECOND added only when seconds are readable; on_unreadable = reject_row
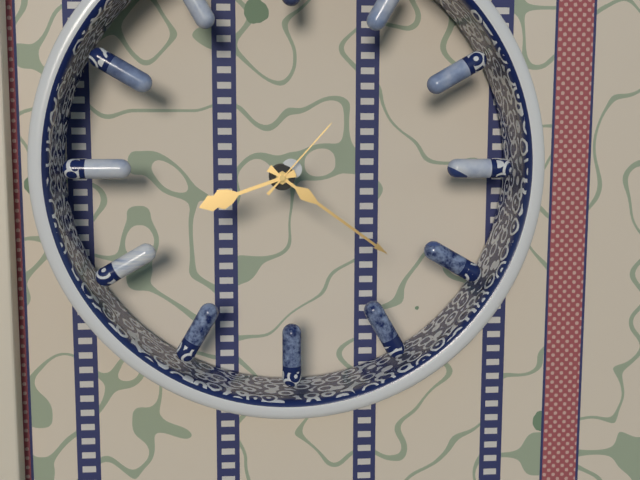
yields h=8 m=21 s=7
